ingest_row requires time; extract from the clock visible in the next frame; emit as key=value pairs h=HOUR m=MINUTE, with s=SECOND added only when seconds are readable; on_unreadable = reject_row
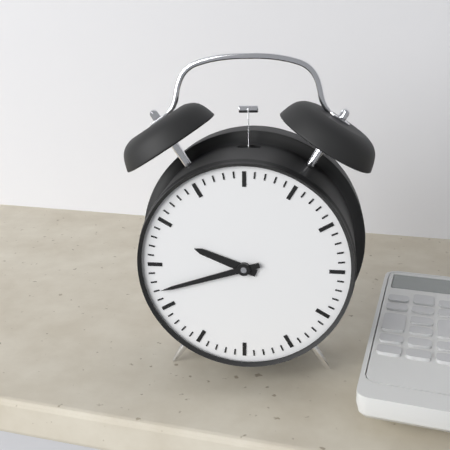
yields h=9 m=42
